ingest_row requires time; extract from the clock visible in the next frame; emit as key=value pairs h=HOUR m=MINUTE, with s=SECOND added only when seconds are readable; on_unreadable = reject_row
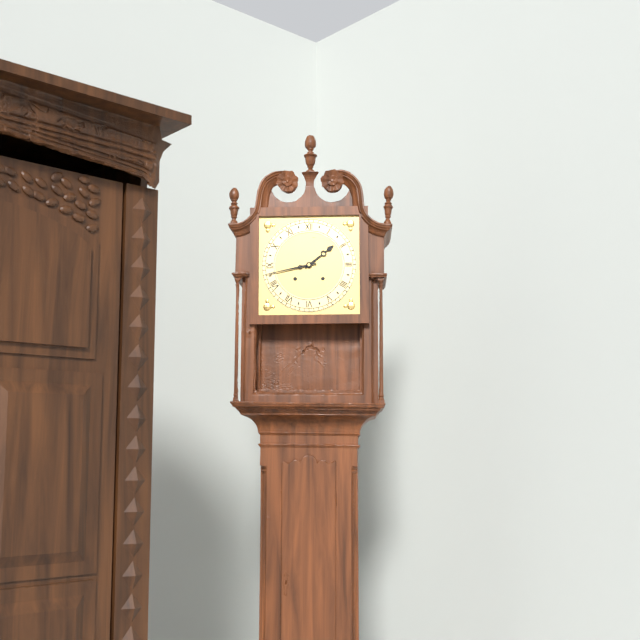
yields h=1 m=43
